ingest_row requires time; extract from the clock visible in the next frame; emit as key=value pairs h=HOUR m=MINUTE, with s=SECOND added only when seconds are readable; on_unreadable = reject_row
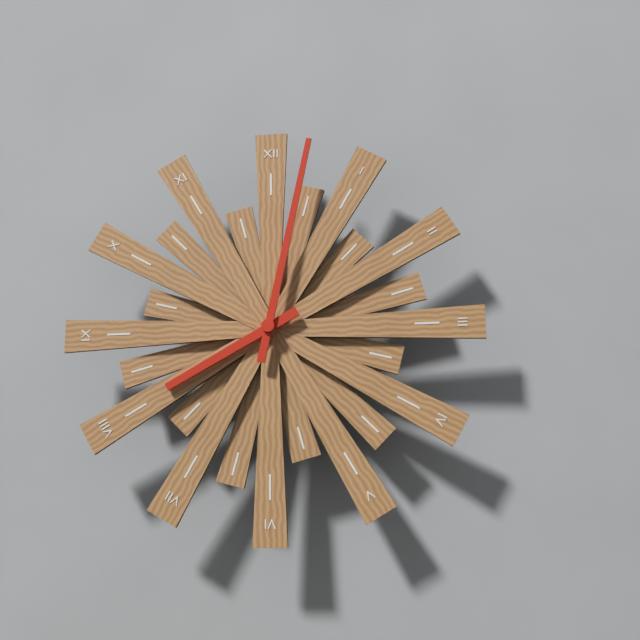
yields h=8 m=2
